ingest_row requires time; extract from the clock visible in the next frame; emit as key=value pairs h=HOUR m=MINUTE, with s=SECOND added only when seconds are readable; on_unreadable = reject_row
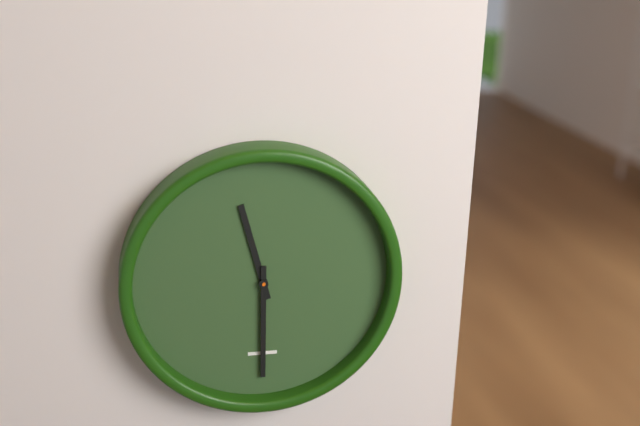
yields h=11 m=30
